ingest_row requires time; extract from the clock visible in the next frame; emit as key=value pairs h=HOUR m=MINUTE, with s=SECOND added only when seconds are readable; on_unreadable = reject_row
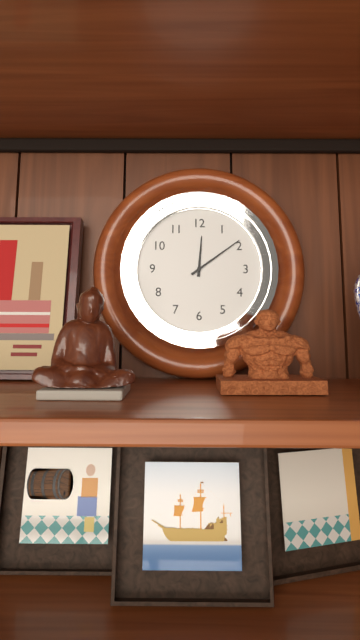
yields h=12 m=9
